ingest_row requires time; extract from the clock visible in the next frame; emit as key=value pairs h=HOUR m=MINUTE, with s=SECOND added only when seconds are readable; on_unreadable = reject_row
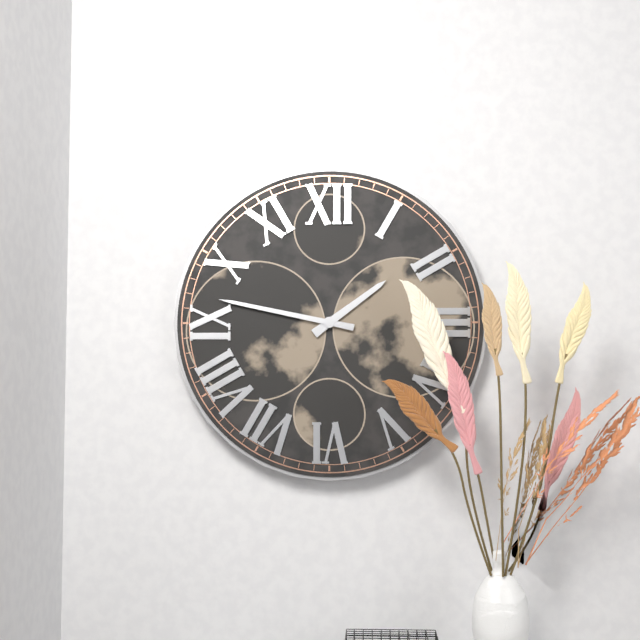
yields h=1 m=47
